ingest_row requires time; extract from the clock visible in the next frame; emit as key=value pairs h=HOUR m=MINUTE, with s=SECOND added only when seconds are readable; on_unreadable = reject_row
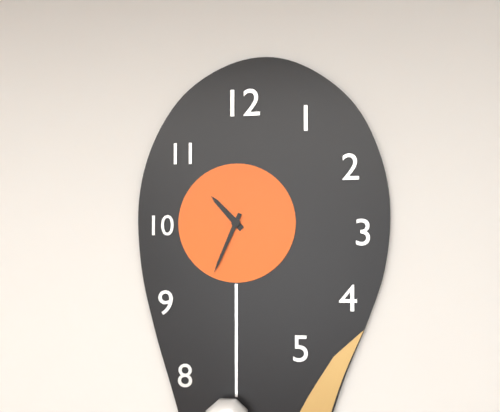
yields h=10 m=34
